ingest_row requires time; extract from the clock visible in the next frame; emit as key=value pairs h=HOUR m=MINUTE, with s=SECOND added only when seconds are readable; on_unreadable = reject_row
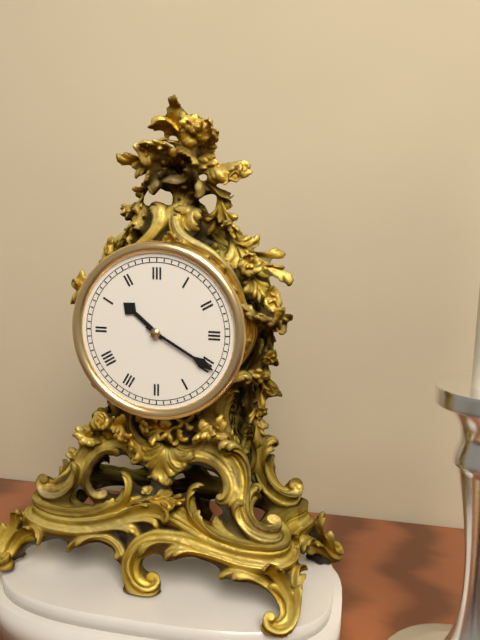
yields h=10 m=20
